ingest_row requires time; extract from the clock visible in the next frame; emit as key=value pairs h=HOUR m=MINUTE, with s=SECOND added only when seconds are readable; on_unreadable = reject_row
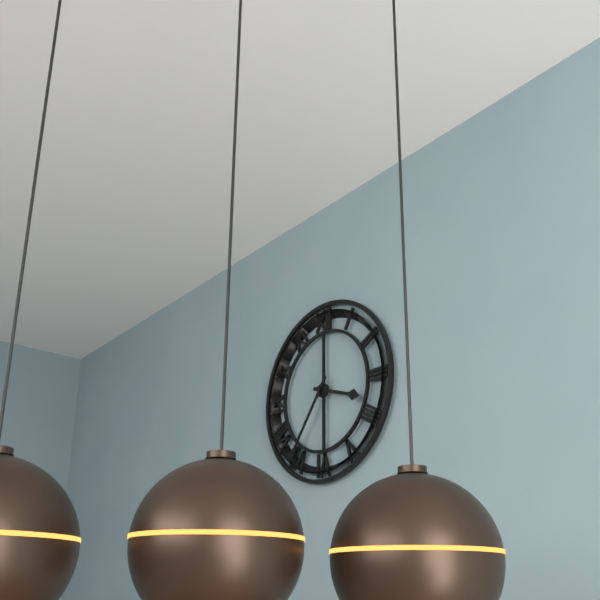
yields h=3 m=36
